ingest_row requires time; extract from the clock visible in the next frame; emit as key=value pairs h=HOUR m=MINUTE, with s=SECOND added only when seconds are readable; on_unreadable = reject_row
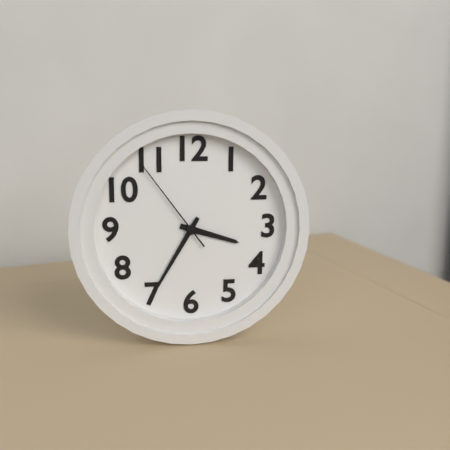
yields h=3 m=35 s=54
